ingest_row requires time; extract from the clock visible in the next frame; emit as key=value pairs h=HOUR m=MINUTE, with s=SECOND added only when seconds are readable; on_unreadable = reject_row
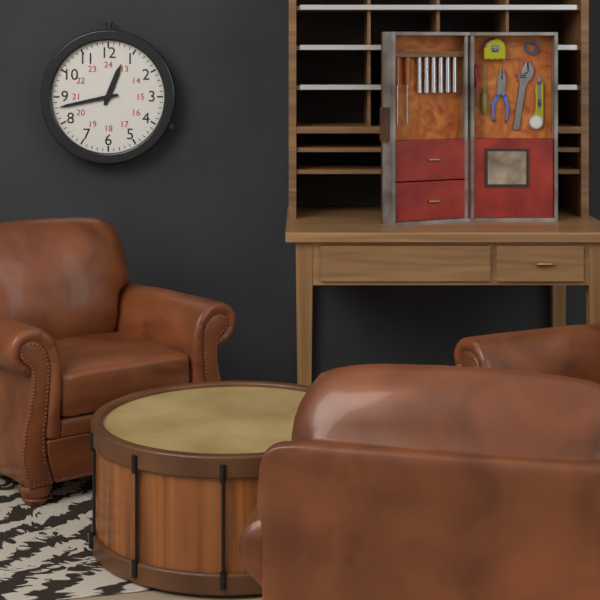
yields h=12 m=43
